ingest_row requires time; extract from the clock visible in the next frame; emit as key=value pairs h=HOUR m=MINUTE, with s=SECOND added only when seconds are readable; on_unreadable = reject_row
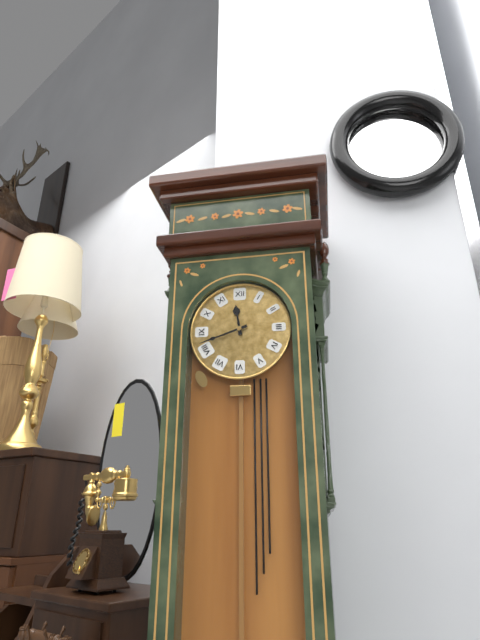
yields h=11 m=42
